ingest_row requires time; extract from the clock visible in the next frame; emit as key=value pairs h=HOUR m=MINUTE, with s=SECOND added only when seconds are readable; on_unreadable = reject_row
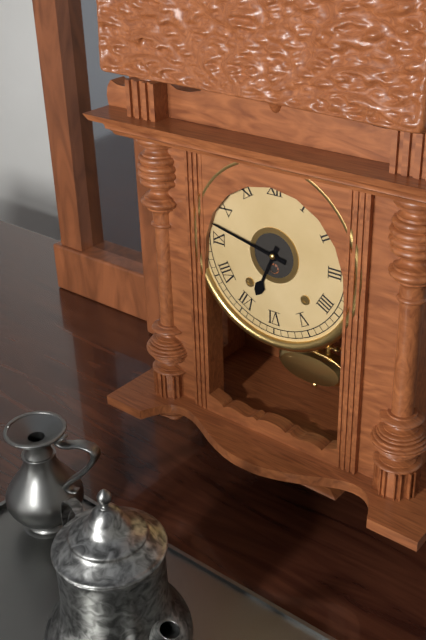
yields h=6 m=47
